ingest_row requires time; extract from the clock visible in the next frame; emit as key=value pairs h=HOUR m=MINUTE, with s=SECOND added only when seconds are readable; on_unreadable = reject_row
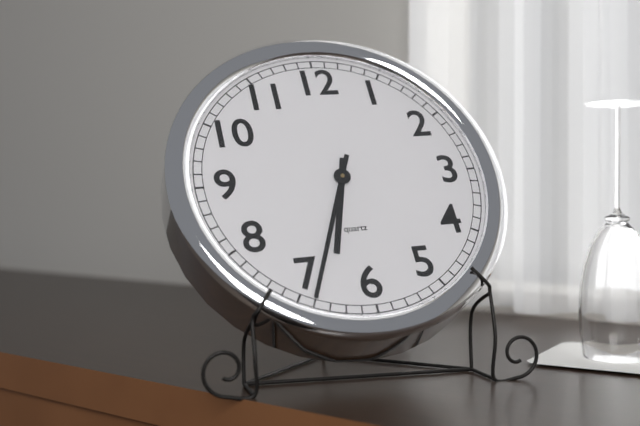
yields h=6 m=34
